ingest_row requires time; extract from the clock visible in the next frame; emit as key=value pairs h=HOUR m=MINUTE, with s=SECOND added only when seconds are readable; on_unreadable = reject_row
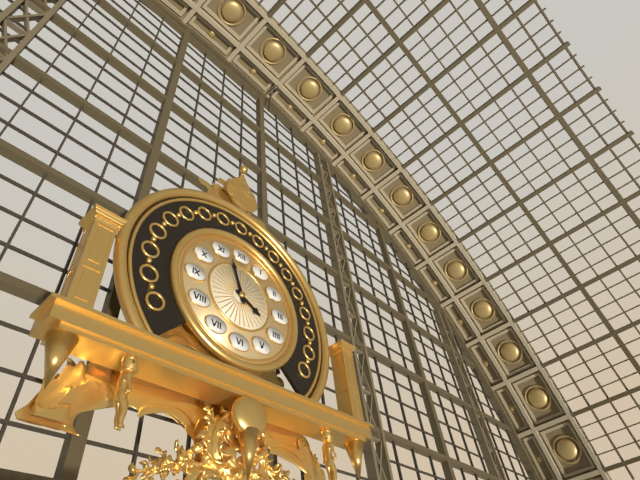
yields h=3 m=57
